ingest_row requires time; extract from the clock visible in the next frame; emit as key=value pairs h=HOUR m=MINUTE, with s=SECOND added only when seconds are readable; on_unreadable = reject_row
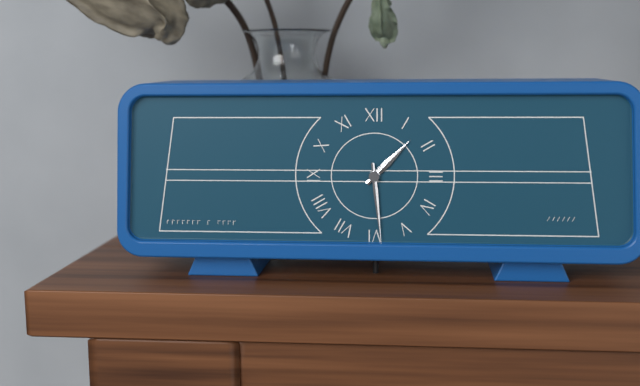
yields h=1 m=29
